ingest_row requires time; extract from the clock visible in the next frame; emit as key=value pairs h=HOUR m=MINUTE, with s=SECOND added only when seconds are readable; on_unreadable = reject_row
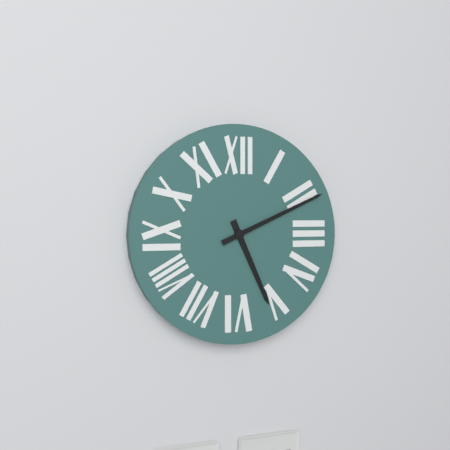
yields h=5 m=11
